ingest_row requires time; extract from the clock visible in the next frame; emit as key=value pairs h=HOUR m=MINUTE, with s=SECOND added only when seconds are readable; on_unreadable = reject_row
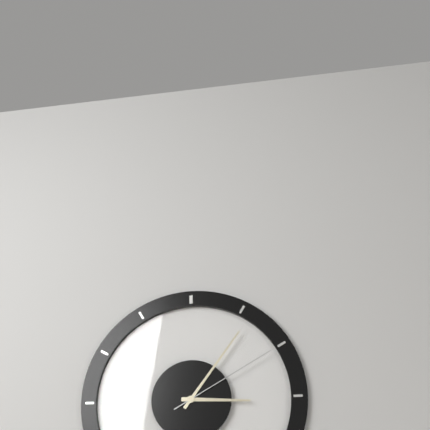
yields h=3 m=6 s=10
